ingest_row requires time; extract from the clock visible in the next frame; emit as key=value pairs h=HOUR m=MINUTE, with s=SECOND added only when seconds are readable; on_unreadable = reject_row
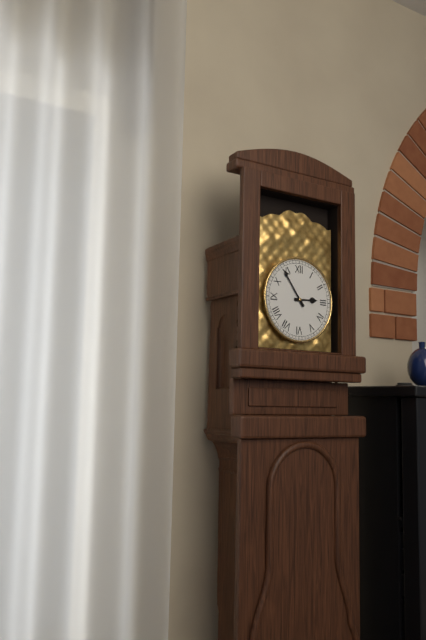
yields h=2 m=54
